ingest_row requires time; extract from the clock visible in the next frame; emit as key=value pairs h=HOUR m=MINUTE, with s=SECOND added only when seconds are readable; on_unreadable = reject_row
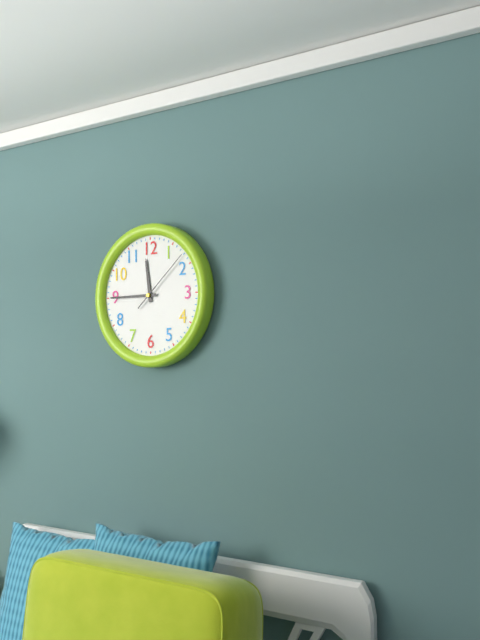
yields h=11 m=45 s=8
